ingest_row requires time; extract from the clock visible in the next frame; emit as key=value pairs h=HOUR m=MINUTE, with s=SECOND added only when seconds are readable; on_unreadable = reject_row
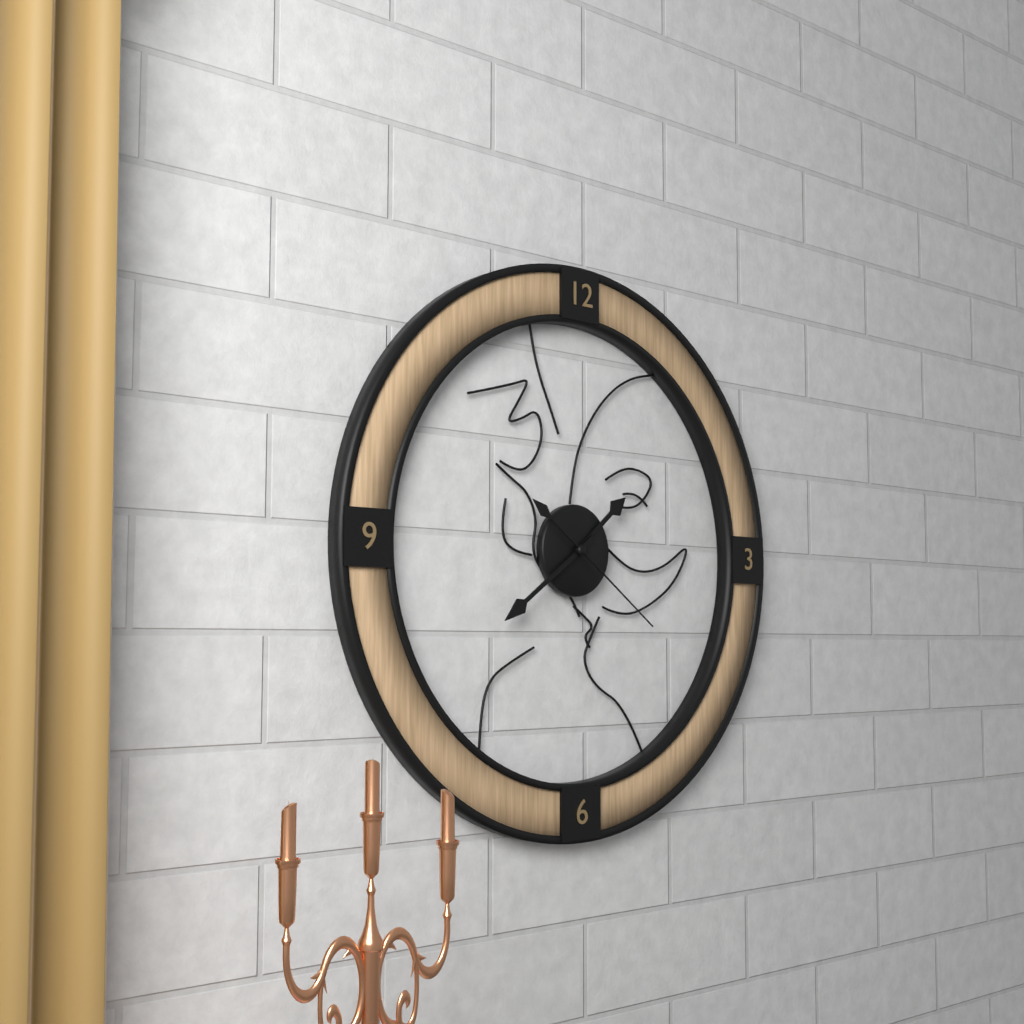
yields h=1 m=39 s=21
